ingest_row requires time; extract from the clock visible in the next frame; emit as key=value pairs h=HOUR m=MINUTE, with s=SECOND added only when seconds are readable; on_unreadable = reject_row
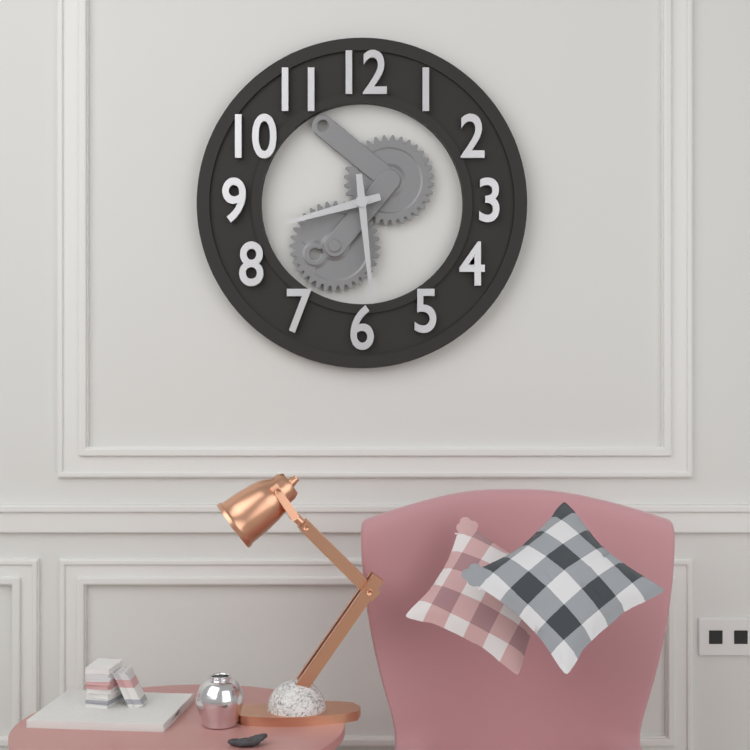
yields h=8 m=29
